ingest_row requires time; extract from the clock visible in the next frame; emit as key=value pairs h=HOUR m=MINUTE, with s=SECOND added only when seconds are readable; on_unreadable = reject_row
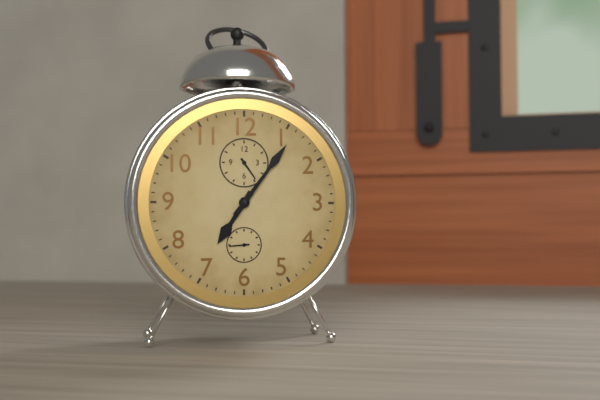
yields h=7 m=6
